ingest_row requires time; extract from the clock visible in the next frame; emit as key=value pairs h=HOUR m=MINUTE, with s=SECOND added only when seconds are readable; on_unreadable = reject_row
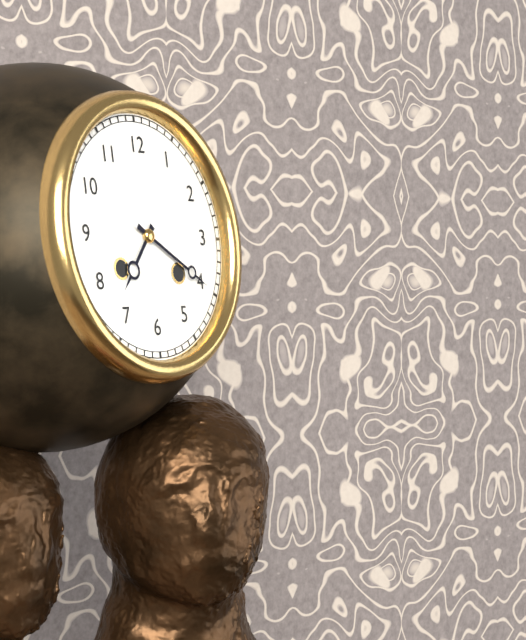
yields h=7 m=20
